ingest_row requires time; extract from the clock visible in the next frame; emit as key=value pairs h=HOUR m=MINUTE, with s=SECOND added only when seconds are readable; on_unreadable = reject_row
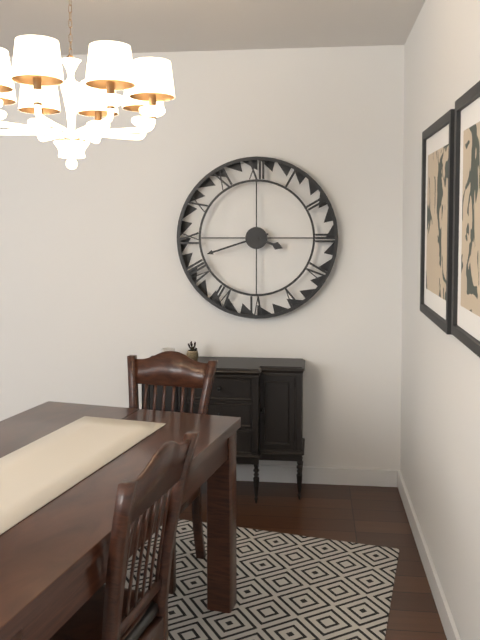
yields h=3 m=42
